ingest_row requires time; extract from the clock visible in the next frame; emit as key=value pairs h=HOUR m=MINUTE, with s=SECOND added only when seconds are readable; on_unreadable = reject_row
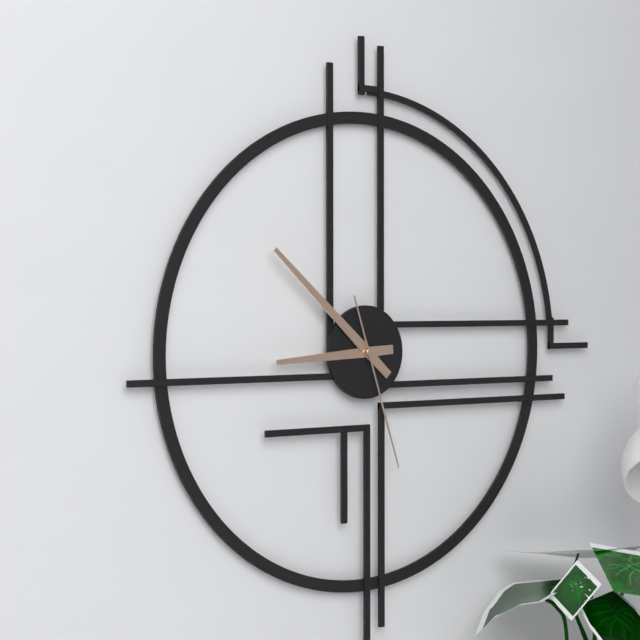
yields h=8 m=52 s=27
